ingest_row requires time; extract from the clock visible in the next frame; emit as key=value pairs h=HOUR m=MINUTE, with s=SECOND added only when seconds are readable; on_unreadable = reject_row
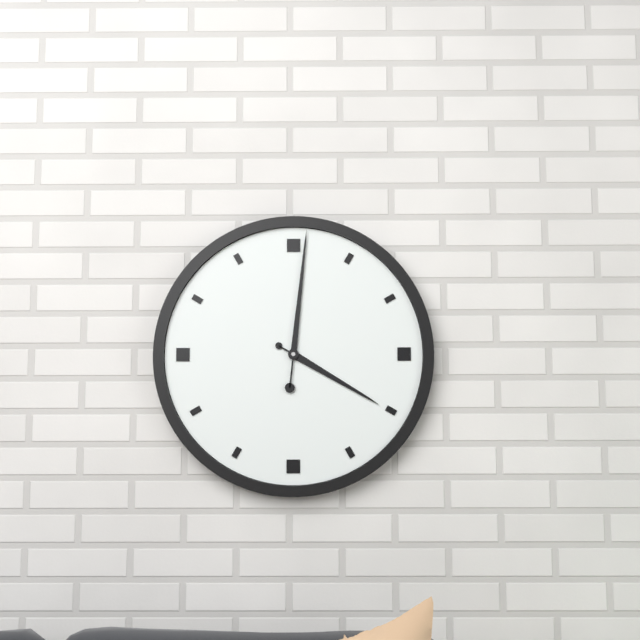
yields h=4 m=1
